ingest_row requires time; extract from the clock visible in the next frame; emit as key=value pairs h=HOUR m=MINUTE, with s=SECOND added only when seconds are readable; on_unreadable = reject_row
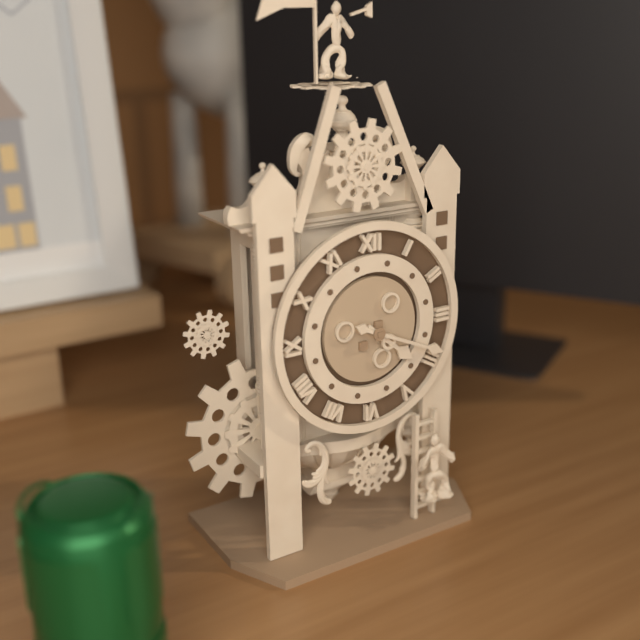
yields h=4 m=19
